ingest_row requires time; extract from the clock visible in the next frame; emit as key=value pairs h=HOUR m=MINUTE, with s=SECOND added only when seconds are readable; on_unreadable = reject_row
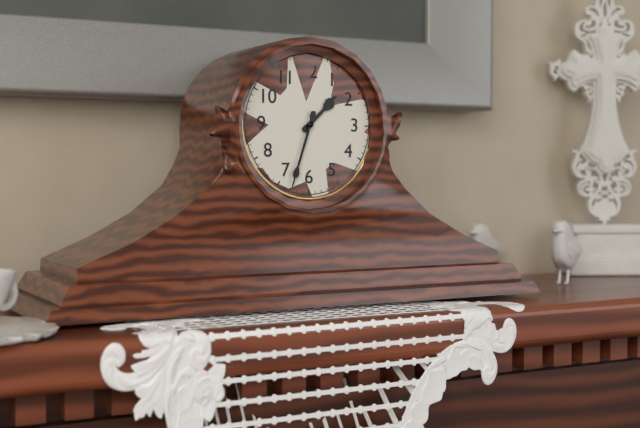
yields h=1 m=33
